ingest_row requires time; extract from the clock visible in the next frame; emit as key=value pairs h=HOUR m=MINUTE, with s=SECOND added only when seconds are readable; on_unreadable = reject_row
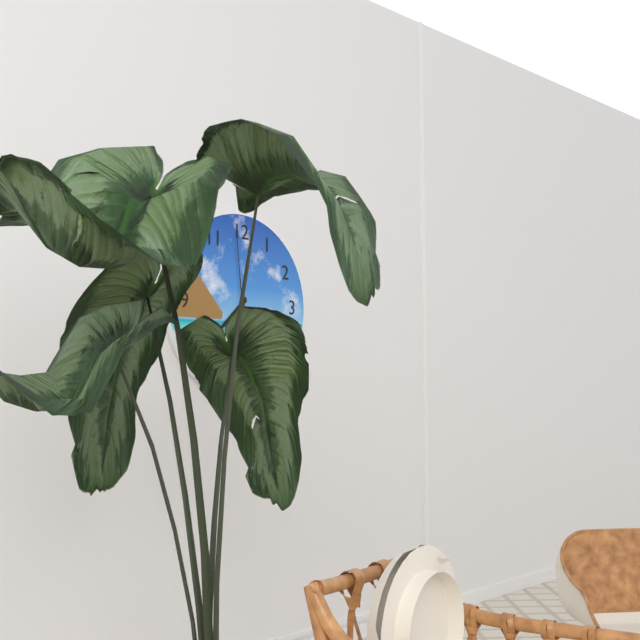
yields h=7 m=36 s=59
